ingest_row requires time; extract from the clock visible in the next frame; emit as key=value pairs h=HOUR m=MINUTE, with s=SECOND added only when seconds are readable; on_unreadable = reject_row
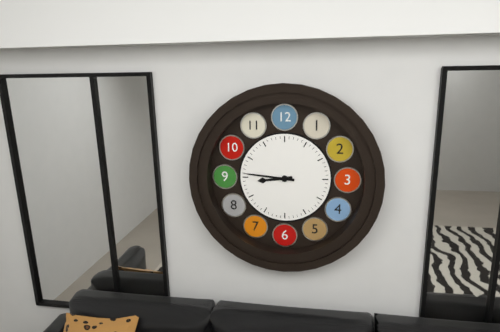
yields h=8 m=46
